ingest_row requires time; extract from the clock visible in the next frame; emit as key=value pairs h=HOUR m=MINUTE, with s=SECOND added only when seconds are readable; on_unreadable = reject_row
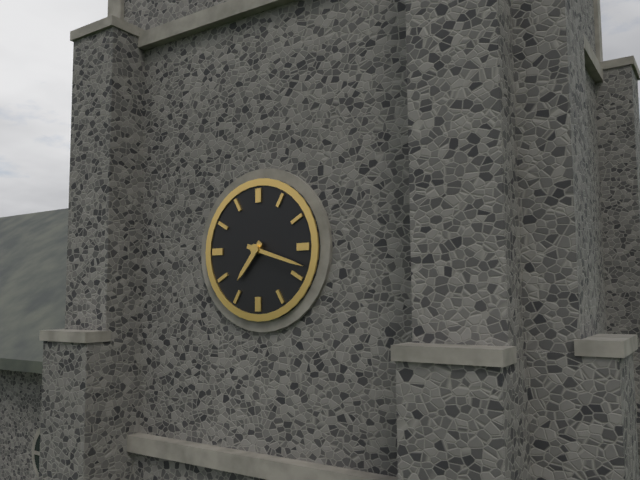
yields h=7 m=18
